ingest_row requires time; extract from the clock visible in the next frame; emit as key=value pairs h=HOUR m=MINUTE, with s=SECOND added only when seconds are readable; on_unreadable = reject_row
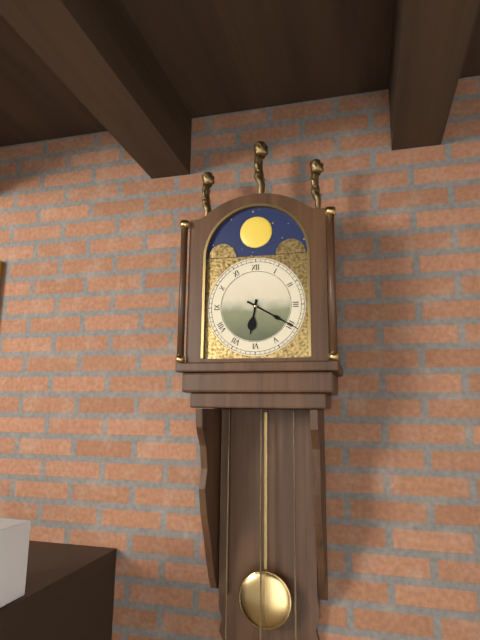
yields h=6 m=20
